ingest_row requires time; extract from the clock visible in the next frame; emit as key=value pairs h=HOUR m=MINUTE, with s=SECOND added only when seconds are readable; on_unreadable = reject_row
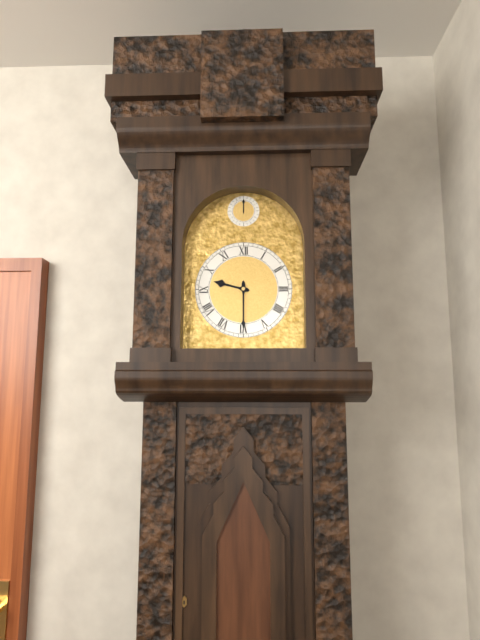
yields h=9 m=30
